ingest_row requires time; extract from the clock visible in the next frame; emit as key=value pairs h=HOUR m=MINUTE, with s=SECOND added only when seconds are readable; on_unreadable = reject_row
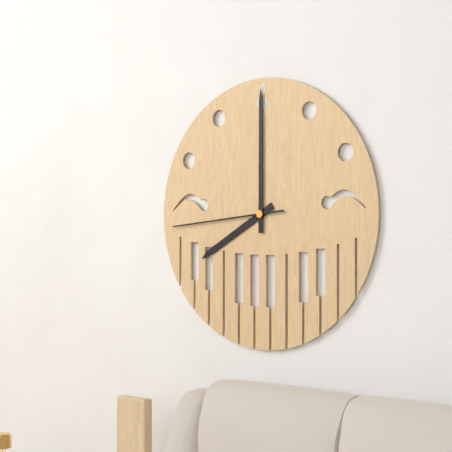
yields h=8 m=0 s=44
